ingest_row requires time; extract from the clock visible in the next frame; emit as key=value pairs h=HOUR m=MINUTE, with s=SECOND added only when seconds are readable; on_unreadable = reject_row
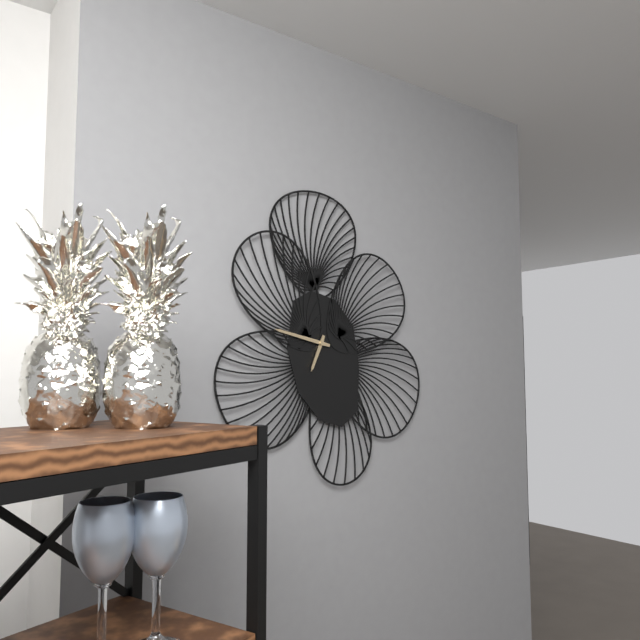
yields h=6 m=47
